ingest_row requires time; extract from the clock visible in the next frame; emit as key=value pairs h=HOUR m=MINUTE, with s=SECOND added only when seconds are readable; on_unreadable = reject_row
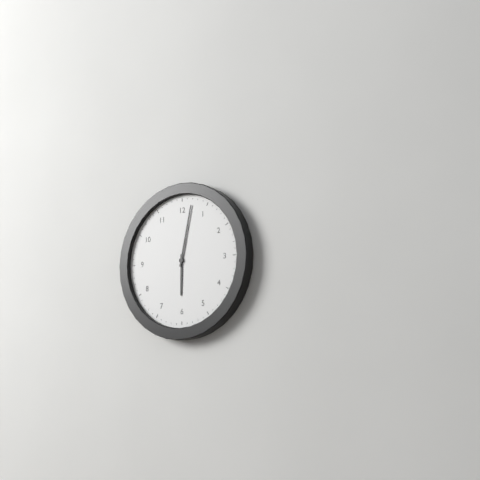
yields h=6 m=2
